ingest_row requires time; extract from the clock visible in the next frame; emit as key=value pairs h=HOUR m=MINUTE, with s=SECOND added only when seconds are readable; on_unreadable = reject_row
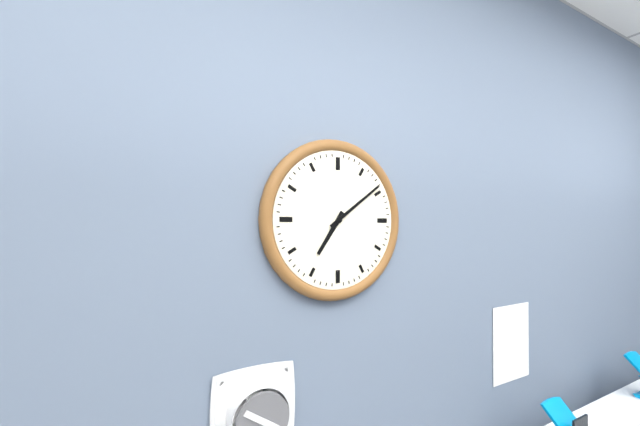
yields h=7 m=9
